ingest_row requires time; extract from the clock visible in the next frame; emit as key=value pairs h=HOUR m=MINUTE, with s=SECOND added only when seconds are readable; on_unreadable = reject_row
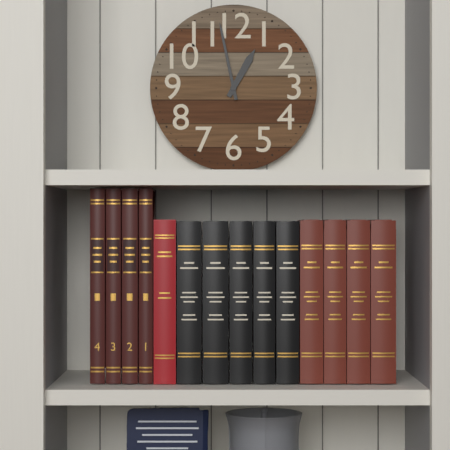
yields h=12 m=58
